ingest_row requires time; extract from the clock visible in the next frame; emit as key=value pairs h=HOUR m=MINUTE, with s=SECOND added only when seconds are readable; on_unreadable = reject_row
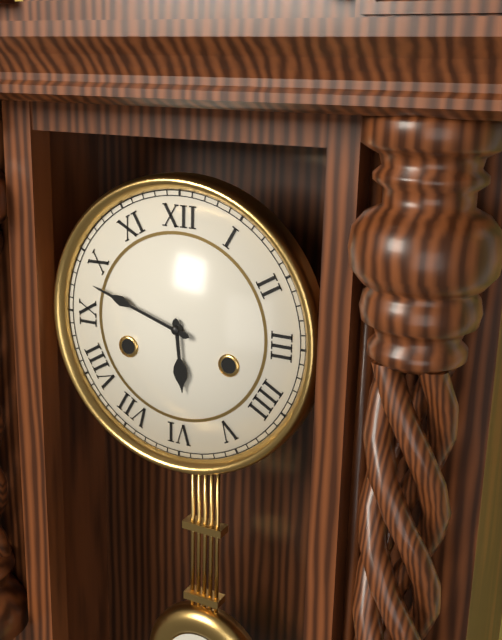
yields h=5 m=48
